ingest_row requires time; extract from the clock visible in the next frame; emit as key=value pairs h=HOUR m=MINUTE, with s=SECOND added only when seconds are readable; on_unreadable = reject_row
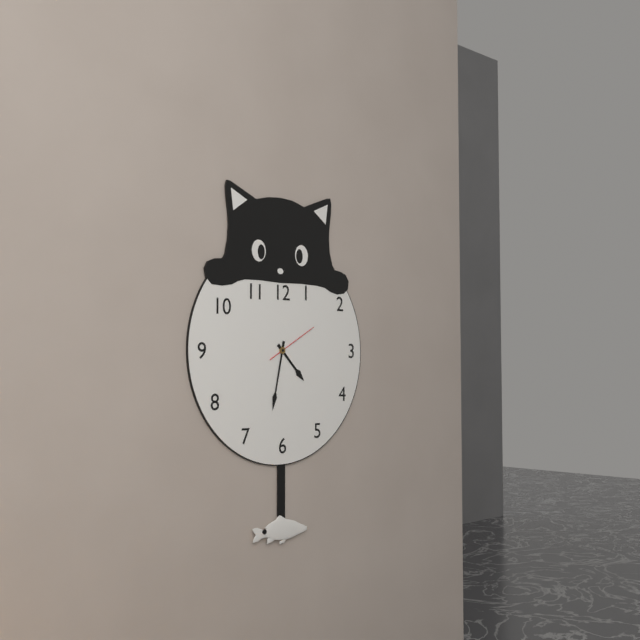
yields h=4 m=32
